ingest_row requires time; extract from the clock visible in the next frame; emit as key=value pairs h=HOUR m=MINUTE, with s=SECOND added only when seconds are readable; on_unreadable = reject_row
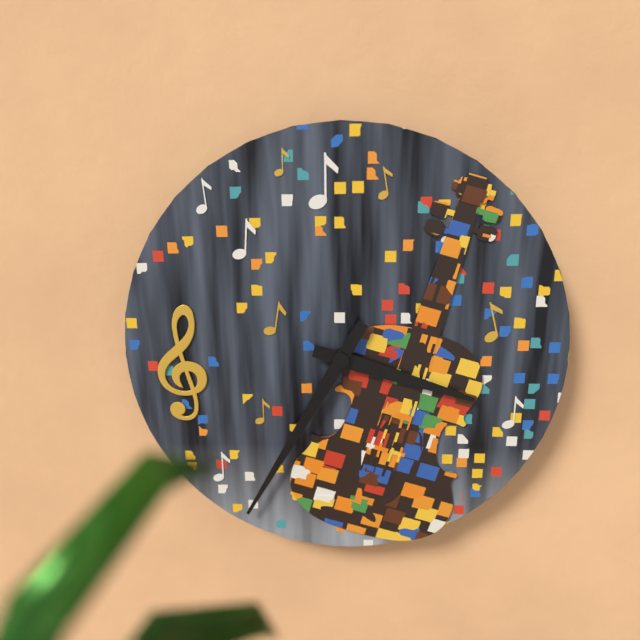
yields h=3 m=35
